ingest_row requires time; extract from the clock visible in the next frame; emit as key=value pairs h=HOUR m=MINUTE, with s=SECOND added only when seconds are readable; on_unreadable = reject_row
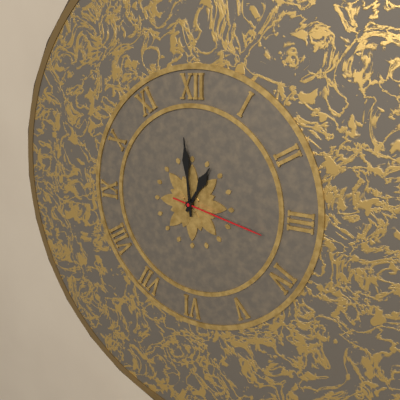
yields h=12 m=59 s=17
